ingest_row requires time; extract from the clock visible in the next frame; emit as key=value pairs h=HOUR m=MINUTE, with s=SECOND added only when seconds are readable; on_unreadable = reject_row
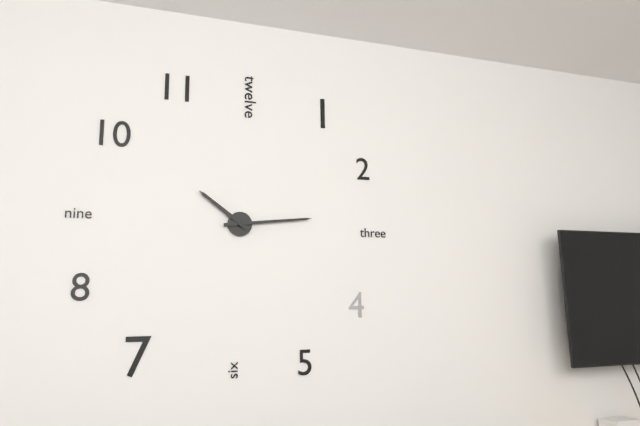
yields h=10 m=14
